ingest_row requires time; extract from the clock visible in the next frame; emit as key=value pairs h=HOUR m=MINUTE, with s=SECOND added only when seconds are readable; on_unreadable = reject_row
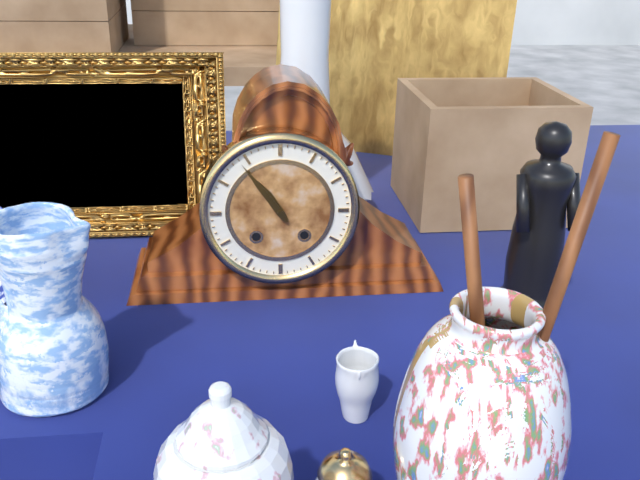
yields h=10 m=54
